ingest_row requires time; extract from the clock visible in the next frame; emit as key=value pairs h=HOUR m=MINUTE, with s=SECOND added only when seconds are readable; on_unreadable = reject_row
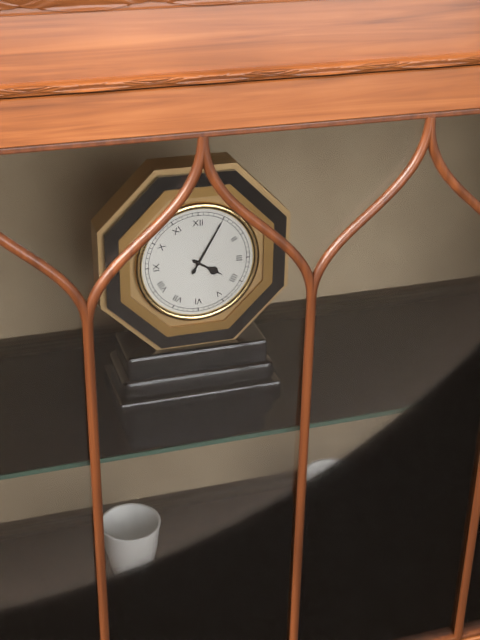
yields h=4 m=5
